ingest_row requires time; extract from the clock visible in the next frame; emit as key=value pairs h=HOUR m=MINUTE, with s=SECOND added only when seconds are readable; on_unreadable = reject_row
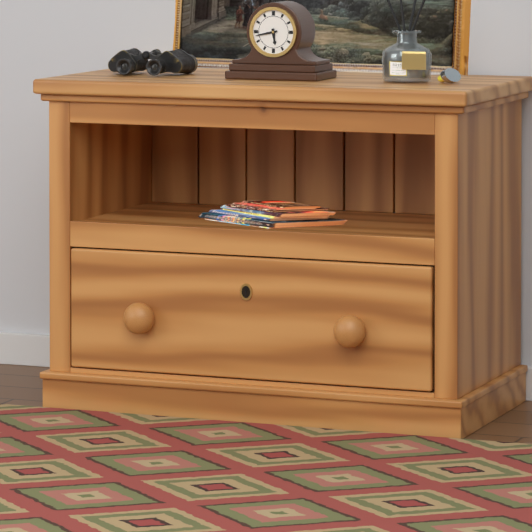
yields h=5 m=43
